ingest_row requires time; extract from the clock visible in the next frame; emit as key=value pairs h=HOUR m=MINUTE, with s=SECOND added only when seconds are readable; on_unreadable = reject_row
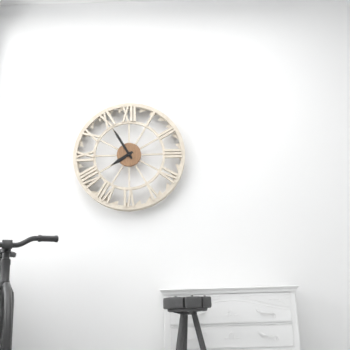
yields h=7 m=55
